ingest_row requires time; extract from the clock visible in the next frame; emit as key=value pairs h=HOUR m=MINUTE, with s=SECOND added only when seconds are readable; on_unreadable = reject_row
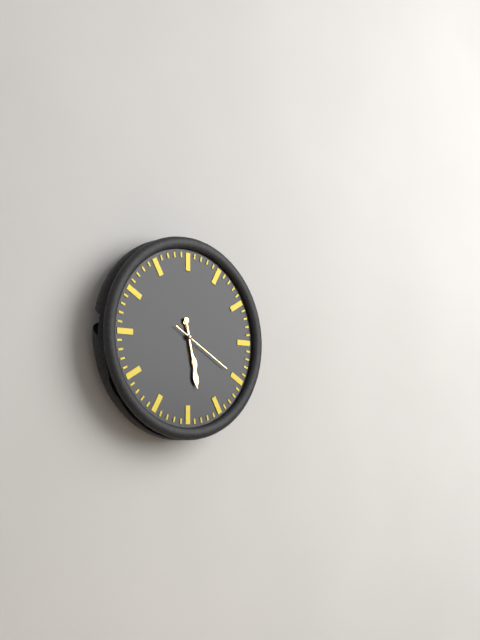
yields h=5 m=28 s=20
